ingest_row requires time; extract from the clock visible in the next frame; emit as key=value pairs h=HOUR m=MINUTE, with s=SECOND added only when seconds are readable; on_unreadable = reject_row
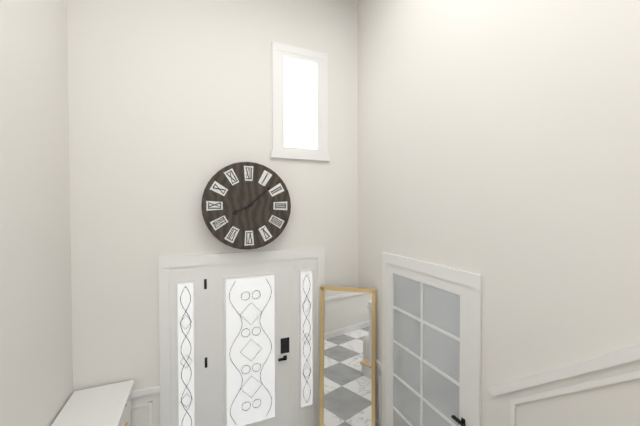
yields h=8 m=8
